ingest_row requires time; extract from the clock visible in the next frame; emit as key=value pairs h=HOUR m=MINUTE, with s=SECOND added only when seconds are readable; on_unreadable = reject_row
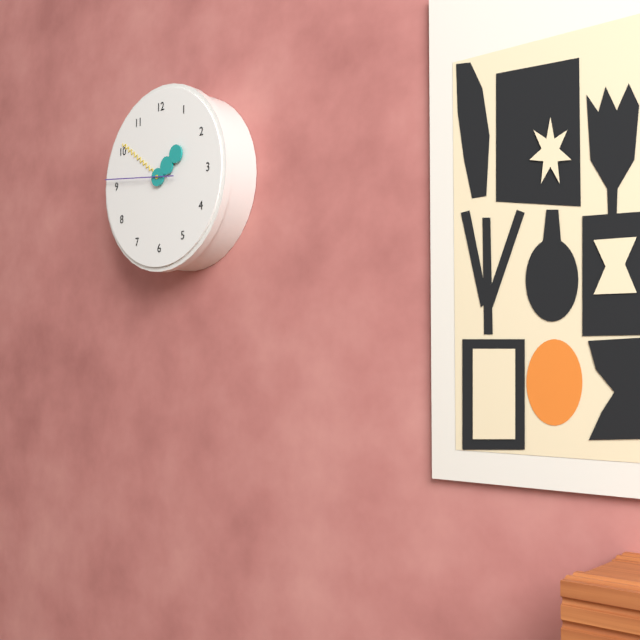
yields h=1 m=51 s=46
